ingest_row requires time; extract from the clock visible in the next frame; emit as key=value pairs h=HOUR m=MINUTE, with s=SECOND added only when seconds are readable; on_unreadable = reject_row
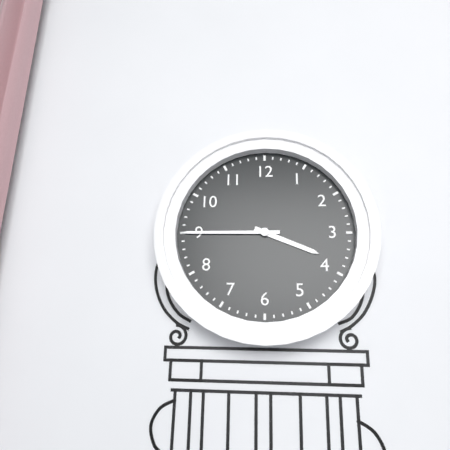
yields h=3 m=45
